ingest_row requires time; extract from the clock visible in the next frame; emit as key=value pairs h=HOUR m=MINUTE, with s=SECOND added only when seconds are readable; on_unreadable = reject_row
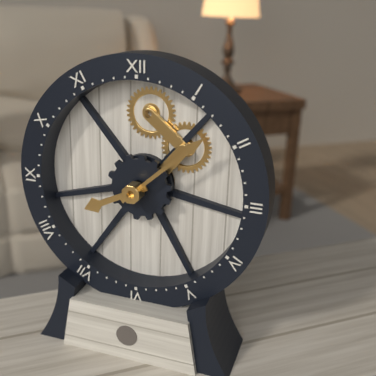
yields h=8 m=8
